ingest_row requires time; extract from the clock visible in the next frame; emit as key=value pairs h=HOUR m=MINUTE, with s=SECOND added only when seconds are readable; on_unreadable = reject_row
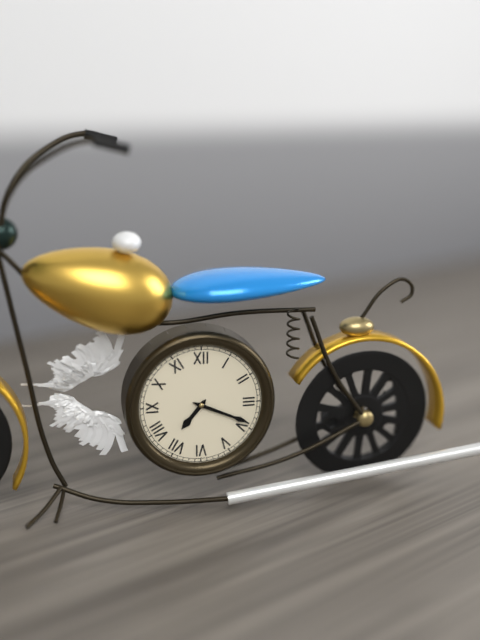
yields h=7 m=19
